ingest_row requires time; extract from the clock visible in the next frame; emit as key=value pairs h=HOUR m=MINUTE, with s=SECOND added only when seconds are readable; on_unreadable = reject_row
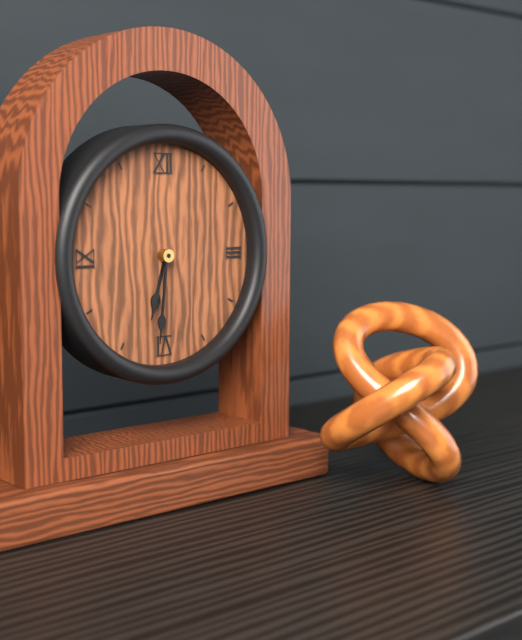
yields h=6 m=31
